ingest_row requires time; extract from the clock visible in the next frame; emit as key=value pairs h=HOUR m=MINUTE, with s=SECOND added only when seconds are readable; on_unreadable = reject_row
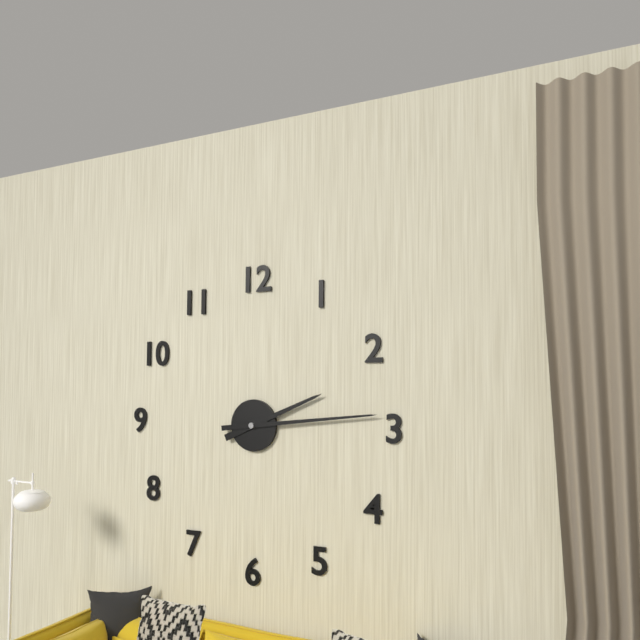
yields h=2 m=14
